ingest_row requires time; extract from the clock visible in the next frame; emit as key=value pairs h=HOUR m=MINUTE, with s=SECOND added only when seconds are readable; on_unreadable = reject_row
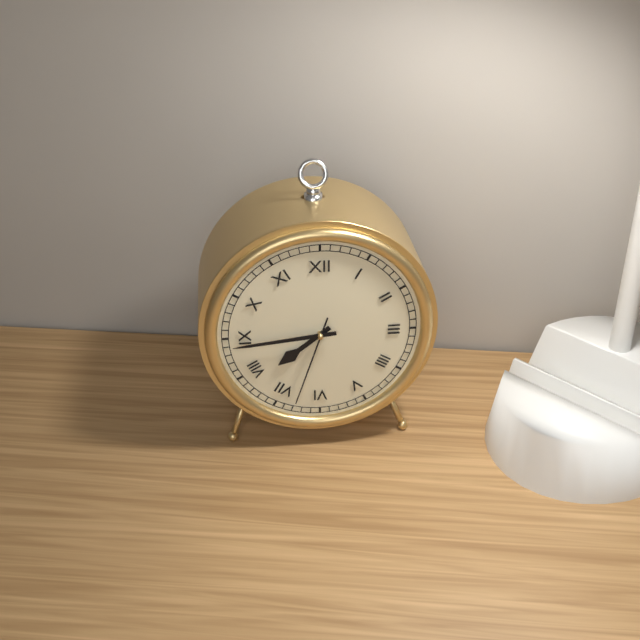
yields h=7 m=44 s=33
